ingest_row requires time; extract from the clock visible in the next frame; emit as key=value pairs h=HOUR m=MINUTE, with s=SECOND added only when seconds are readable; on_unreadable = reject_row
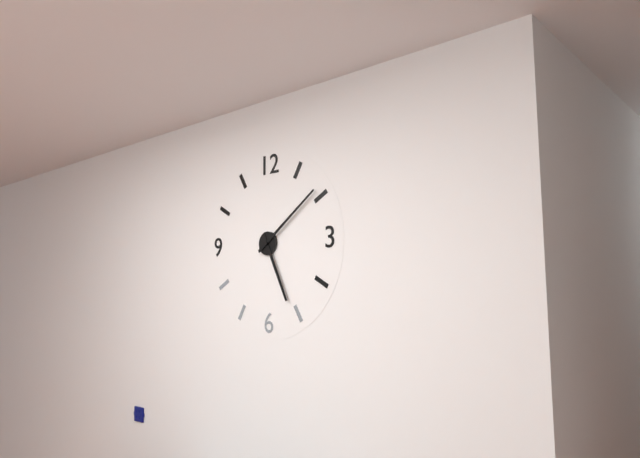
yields h=5 m=9
